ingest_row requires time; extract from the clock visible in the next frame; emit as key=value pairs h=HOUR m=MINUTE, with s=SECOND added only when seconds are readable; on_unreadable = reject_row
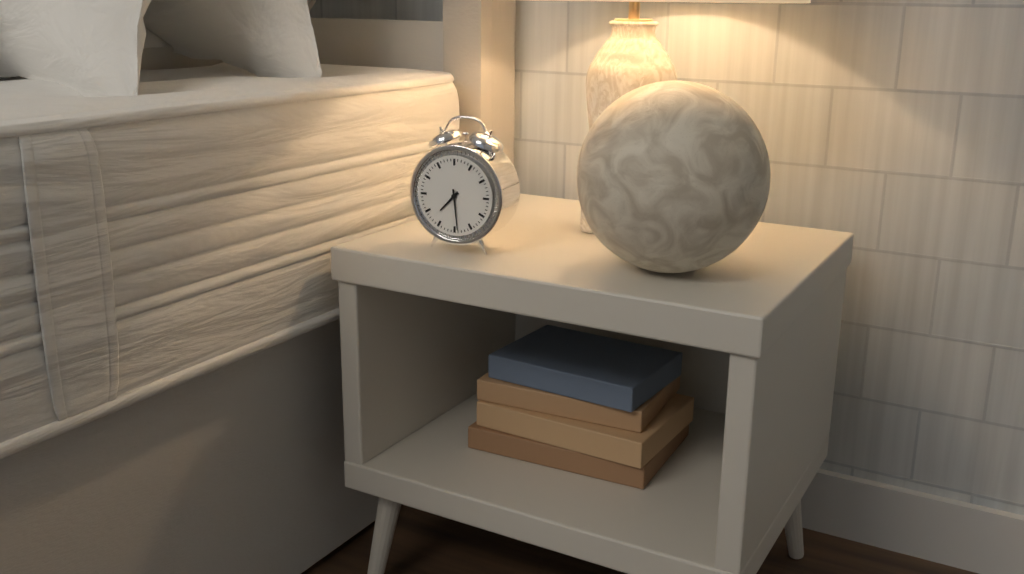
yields h=7 m=29
